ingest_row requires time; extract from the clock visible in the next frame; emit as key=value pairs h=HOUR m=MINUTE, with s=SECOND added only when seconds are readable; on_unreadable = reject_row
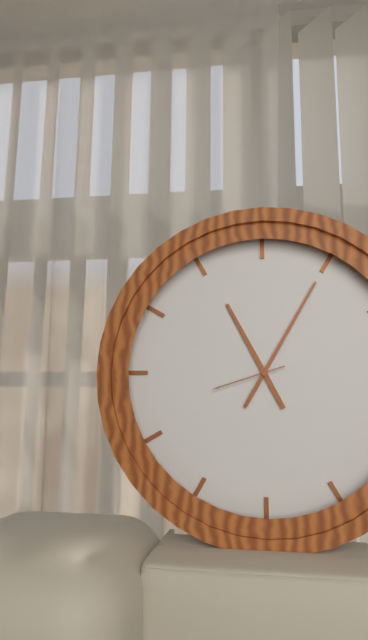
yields h=11 m=5 s=42
